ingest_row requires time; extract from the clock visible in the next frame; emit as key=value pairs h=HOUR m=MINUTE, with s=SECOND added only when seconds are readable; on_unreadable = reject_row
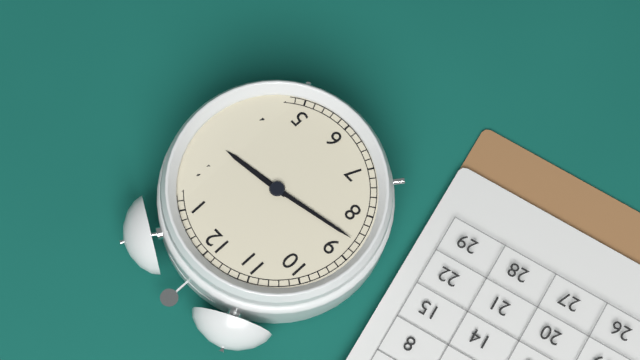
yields h=2 m=43
